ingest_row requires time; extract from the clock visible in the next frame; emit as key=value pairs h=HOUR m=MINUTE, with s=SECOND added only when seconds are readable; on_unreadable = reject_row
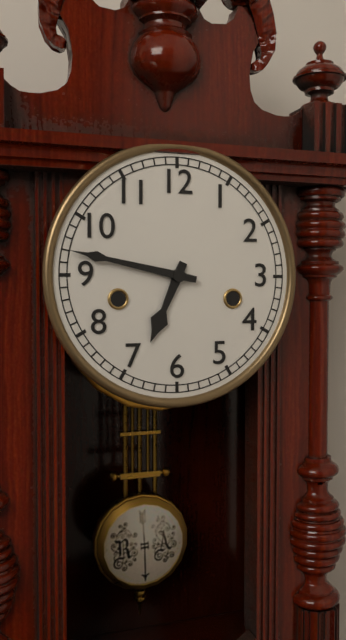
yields h=6 m=47
